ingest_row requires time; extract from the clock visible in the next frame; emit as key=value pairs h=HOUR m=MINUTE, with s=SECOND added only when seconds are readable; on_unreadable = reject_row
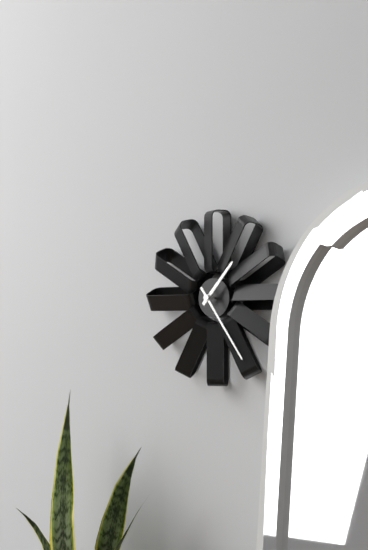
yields h=1 m=24
